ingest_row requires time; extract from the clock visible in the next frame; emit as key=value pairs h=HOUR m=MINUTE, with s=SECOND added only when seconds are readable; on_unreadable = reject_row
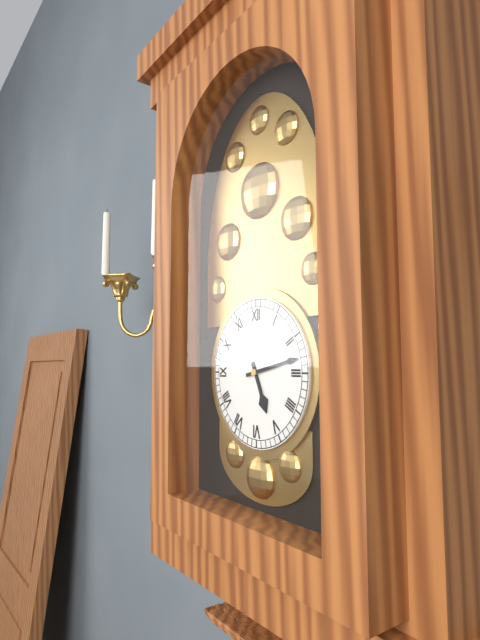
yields h=5 m=13
